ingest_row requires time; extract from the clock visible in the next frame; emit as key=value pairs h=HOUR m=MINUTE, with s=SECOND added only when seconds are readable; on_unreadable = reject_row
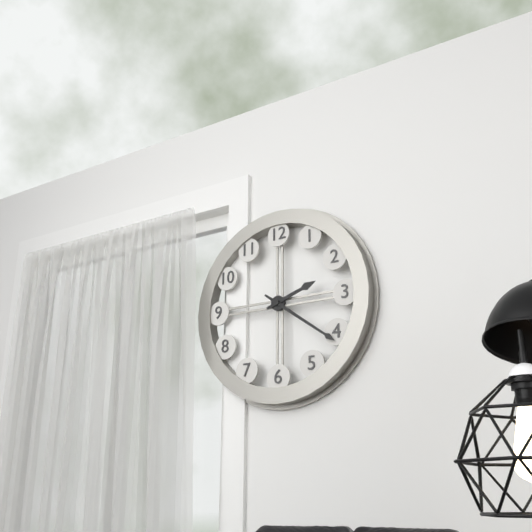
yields h=2 m=21
